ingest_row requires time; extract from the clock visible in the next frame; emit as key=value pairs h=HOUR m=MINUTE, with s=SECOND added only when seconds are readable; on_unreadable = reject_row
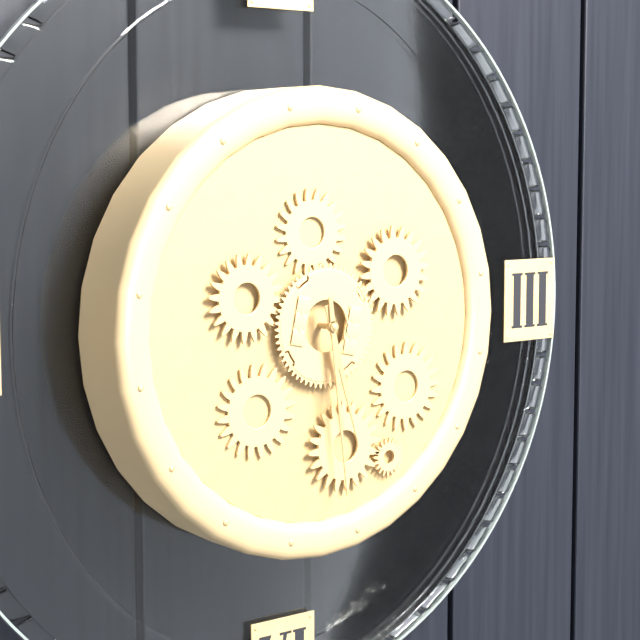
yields h=5 m=29
